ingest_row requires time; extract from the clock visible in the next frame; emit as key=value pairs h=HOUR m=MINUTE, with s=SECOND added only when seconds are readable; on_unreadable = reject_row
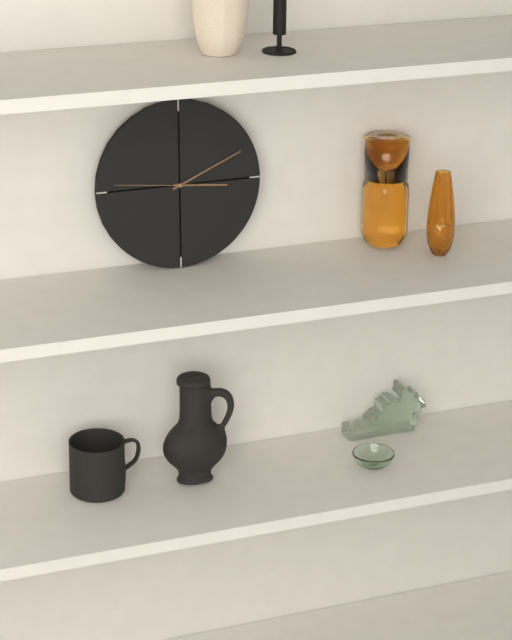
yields h=3 m=11 s=46
